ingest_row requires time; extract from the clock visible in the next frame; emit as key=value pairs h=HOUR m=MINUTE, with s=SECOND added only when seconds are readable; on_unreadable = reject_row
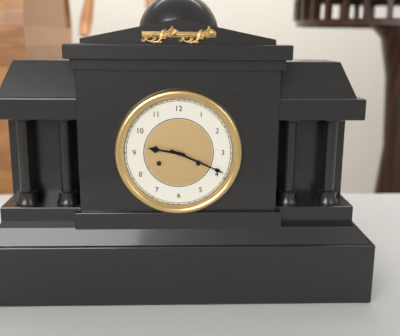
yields h=9 m=19
